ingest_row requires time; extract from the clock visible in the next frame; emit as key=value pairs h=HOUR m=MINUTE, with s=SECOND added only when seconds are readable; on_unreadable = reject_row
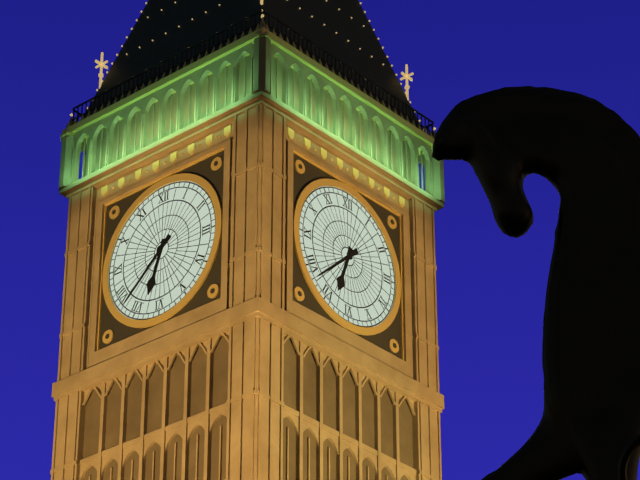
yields h=6 m=38
